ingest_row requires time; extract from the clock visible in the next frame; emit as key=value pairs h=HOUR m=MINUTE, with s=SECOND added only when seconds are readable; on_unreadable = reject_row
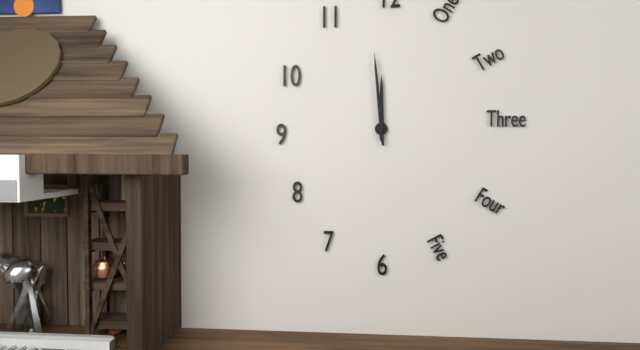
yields h=11 m=59
